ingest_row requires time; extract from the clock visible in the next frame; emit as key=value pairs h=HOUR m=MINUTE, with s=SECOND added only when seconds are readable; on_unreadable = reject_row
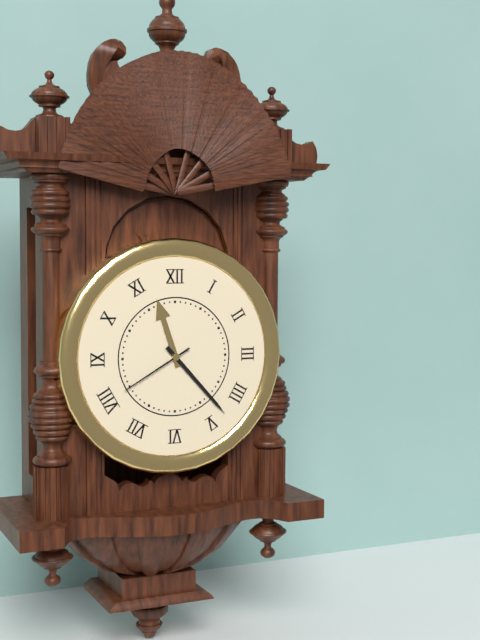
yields h=11 m=23 s=40
